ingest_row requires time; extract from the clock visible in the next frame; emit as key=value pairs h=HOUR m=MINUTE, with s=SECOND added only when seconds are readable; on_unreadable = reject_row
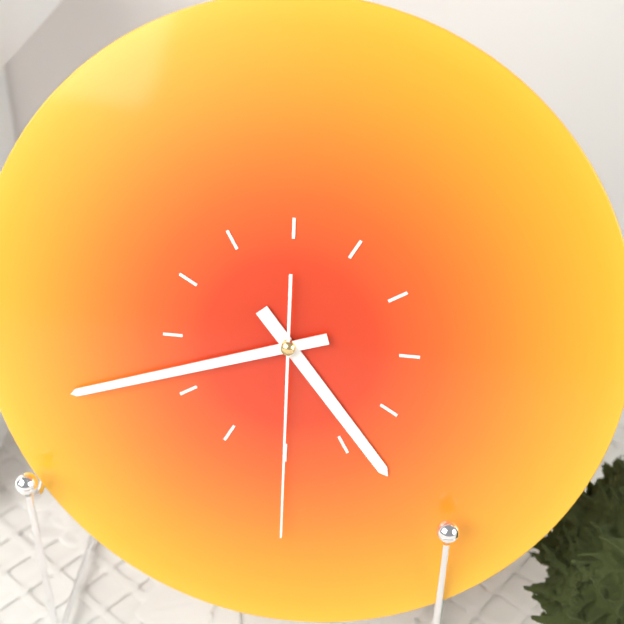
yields h=4 m=42 s=30
